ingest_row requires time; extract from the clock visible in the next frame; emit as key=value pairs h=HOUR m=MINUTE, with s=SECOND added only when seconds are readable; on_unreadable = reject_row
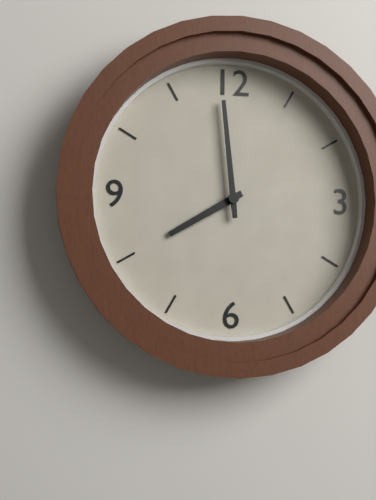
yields h=7 m=59
